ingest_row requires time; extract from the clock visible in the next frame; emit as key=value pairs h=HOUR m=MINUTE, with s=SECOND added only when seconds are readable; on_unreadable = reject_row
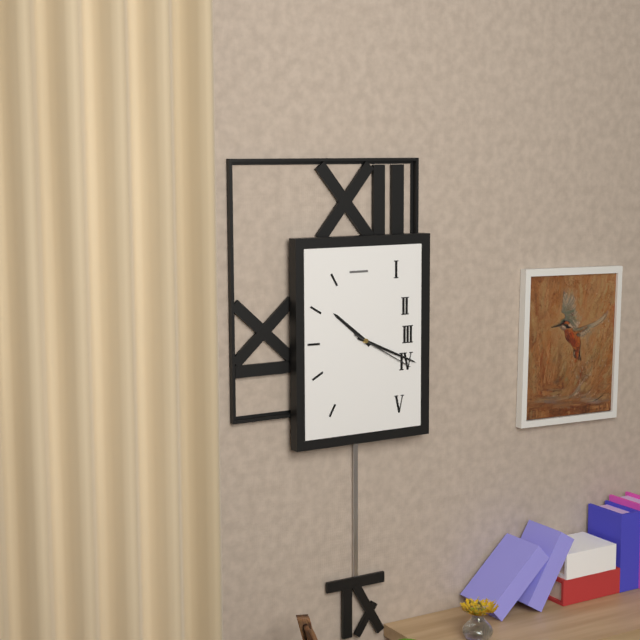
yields h=10 m=19 s=20
